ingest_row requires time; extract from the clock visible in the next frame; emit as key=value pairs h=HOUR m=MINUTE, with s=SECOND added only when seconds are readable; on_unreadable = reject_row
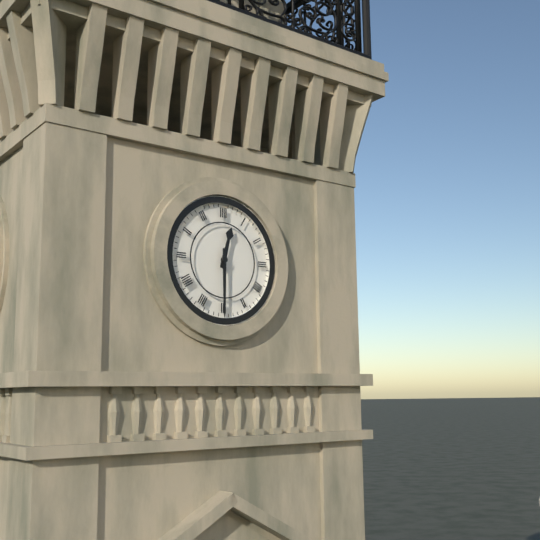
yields h=12 m=30
